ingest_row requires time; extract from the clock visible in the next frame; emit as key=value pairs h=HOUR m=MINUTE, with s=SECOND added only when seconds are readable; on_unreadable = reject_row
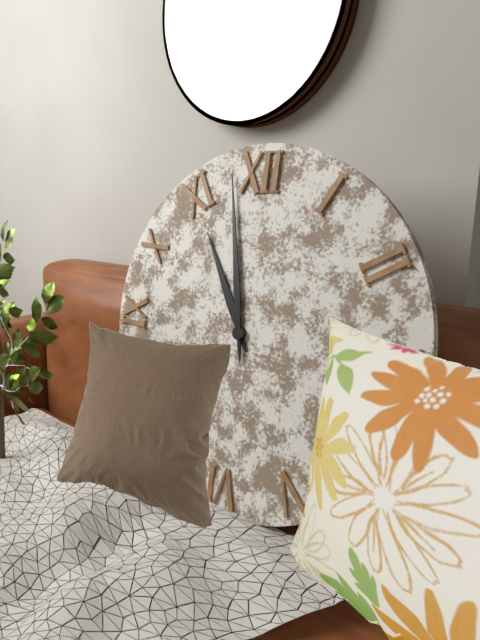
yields h=10 m=58
